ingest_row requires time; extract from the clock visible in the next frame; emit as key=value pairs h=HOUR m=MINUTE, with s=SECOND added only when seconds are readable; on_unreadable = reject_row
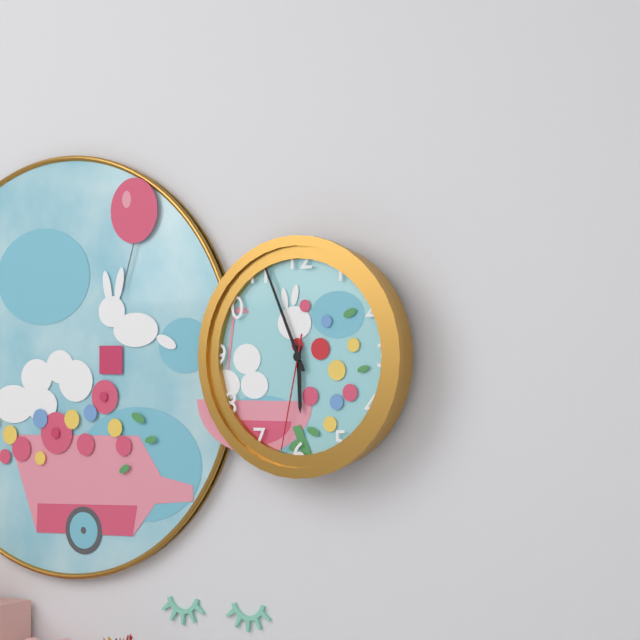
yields h=5 m=56 s=32
